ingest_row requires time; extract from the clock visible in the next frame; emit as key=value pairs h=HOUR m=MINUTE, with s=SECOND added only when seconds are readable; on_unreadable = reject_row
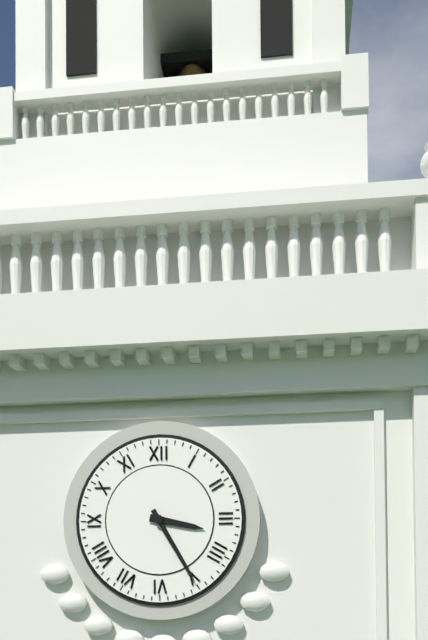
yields h=3 m=25
